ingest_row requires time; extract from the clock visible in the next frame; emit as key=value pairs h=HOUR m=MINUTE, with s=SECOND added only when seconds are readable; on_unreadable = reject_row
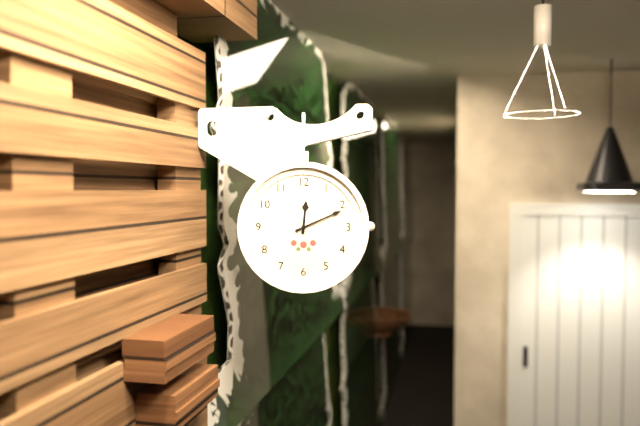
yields h=12 m=11
